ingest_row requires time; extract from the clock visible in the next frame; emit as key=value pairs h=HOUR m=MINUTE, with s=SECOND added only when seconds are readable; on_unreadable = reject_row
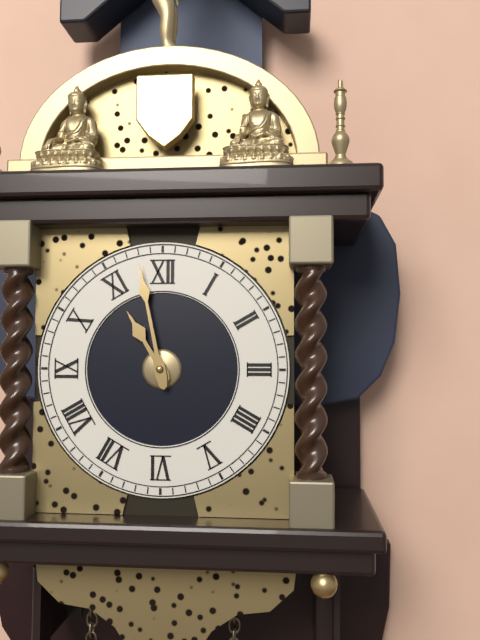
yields h=10 m=58
